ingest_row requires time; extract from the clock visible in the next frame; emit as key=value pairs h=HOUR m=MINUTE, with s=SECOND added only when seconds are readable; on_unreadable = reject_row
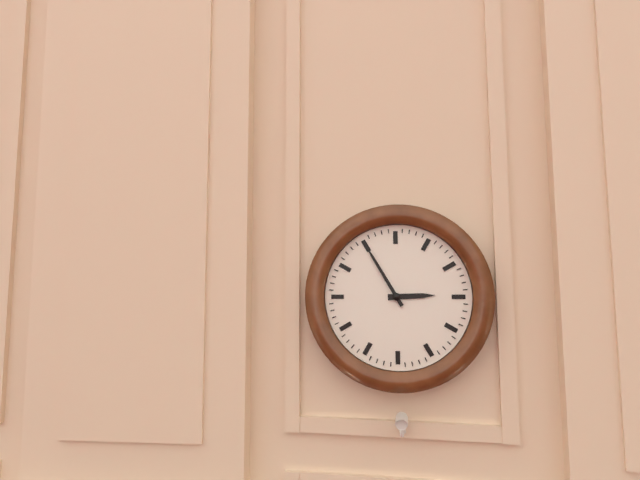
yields h=2 m=55
